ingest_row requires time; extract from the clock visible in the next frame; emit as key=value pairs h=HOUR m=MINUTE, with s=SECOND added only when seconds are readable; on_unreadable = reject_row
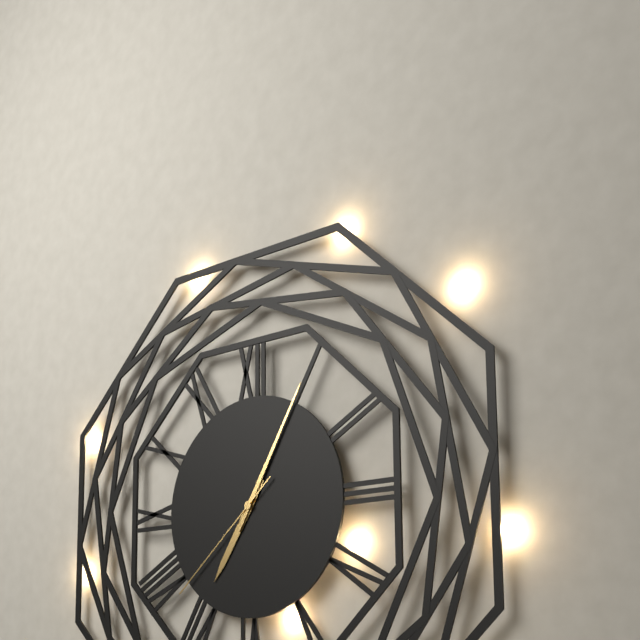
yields h=7 m=5 s=38
